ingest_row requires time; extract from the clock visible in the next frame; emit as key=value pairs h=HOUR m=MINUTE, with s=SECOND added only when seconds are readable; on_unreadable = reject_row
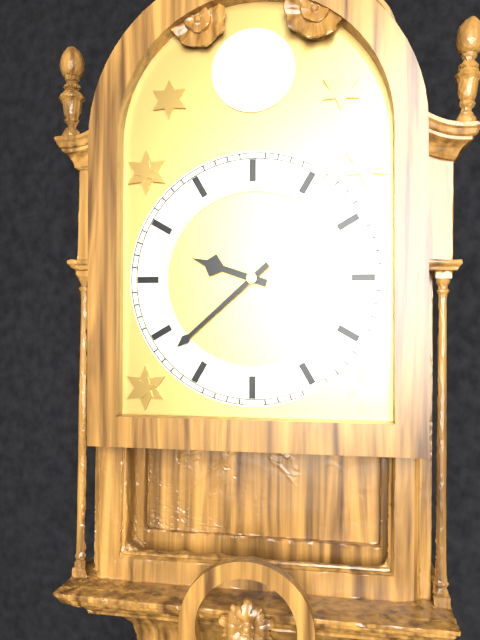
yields h=9 m=38
